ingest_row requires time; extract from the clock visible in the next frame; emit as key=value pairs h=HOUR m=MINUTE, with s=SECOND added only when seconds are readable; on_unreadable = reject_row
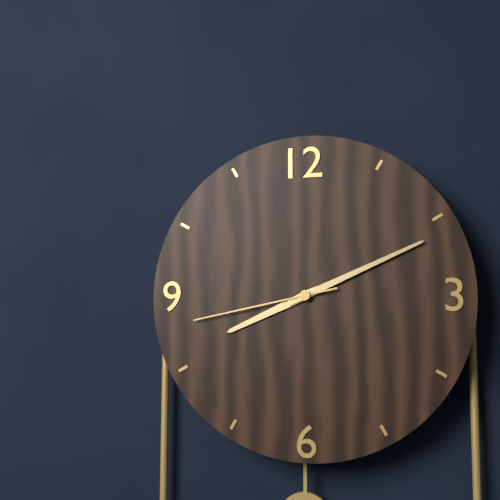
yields h=8 m=11 s=43
